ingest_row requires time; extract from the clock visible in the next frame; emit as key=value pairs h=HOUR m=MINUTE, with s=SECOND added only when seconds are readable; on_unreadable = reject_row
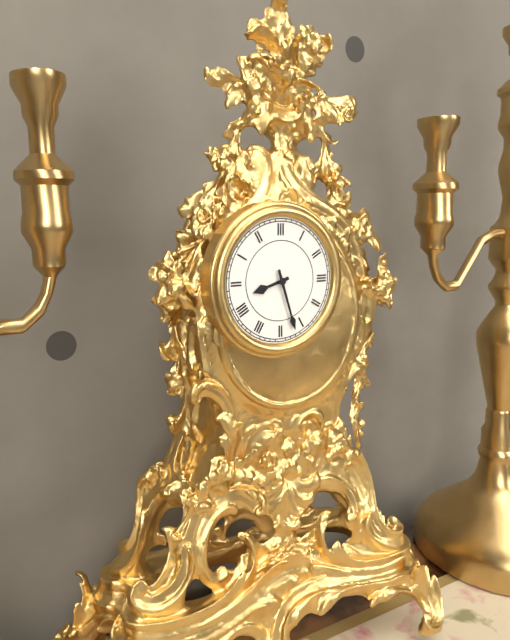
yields h=8 m=27
